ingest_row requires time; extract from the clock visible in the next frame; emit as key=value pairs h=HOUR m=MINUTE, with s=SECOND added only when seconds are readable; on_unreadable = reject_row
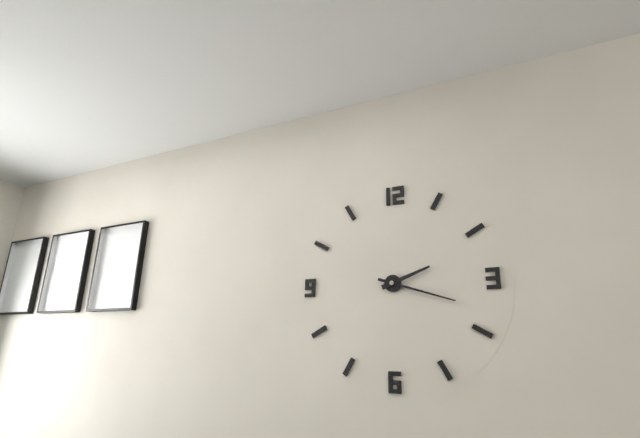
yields h=2 m=18
